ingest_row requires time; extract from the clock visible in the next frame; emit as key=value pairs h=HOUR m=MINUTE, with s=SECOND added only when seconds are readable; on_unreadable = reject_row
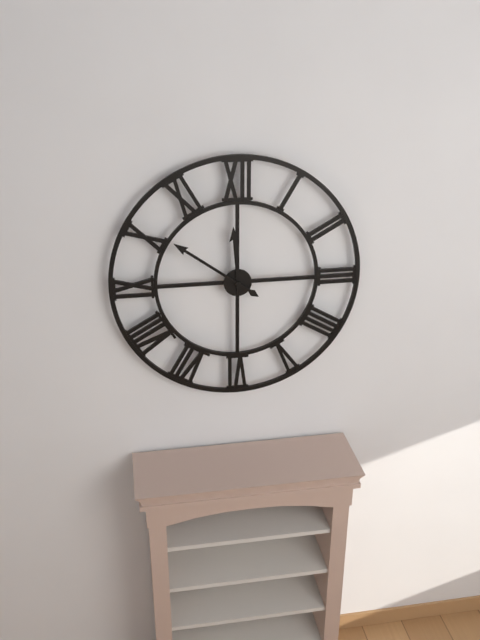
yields h=11 m=51
